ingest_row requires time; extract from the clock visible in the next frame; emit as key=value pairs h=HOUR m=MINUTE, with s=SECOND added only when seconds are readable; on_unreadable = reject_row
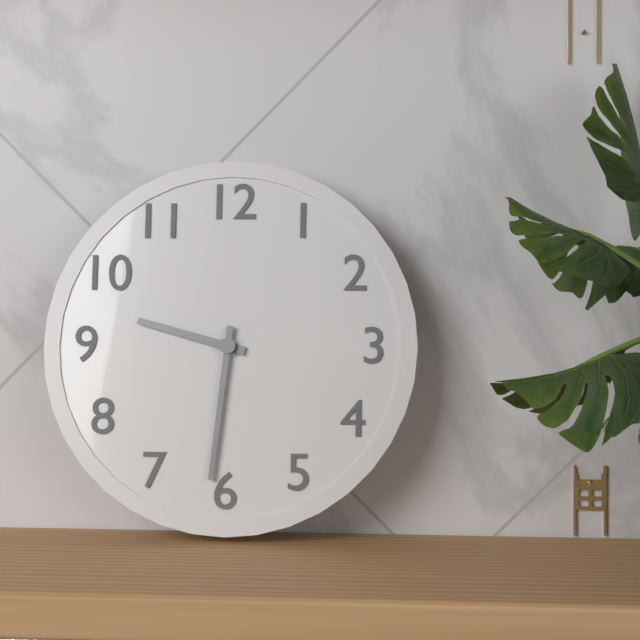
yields h=9 m=31
